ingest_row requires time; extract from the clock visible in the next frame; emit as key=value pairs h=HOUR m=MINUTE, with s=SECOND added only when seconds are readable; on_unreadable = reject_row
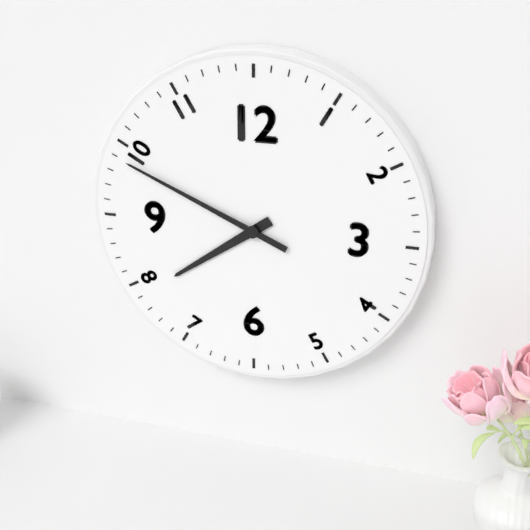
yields h=7 m=49
